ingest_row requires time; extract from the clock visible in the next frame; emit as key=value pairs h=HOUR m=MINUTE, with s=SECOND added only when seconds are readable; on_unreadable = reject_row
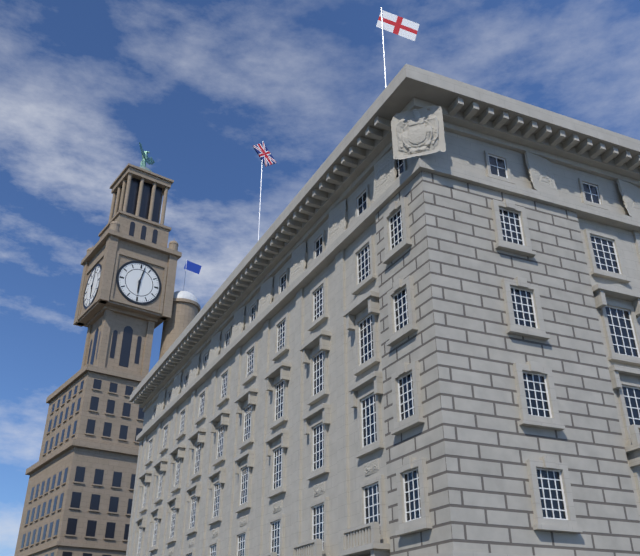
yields h=6 m=2
